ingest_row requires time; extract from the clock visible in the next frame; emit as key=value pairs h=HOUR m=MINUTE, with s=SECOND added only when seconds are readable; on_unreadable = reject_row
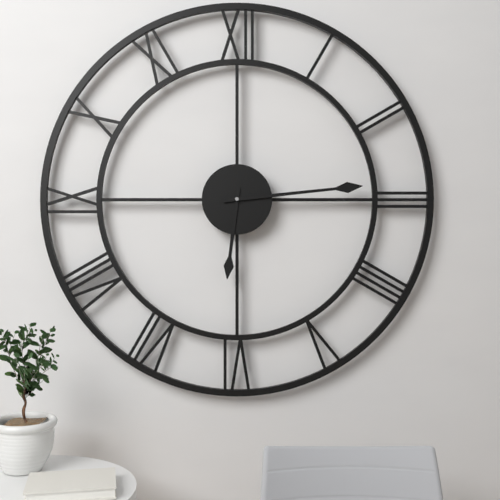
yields h=6 m=14
